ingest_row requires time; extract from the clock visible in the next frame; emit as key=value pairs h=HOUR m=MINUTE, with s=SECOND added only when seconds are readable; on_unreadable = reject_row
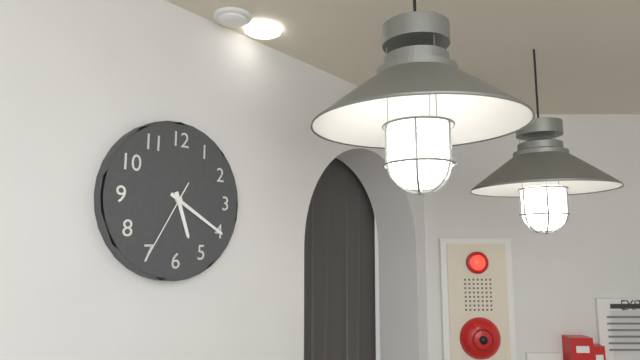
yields h=5 m=20 s=35
